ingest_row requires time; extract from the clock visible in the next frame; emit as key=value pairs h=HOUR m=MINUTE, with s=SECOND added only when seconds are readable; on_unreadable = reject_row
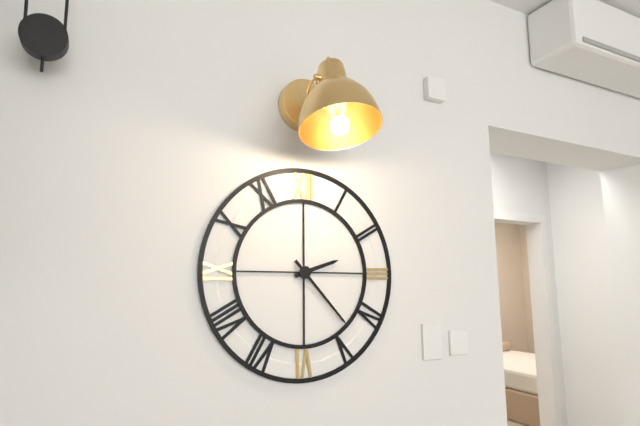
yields h=2 m=23
